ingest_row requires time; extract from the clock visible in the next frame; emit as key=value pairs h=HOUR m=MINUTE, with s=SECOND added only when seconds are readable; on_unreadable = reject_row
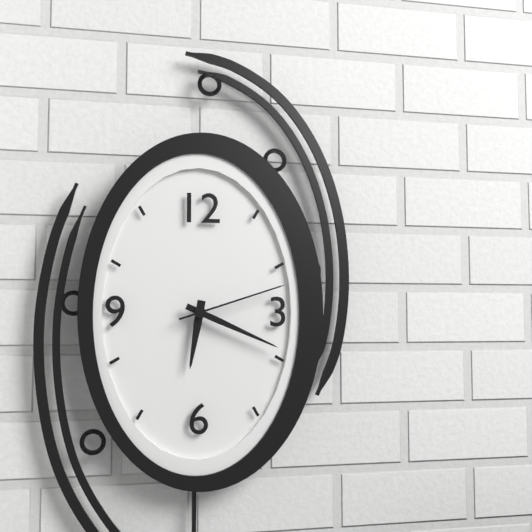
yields h=6 m=19 s=12
